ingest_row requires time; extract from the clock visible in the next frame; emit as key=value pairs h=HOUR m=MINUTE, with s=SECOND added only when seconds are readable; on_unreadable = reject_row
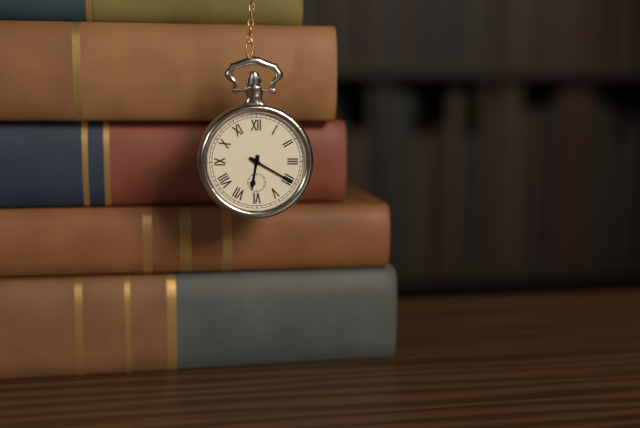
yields h=6 m=20
